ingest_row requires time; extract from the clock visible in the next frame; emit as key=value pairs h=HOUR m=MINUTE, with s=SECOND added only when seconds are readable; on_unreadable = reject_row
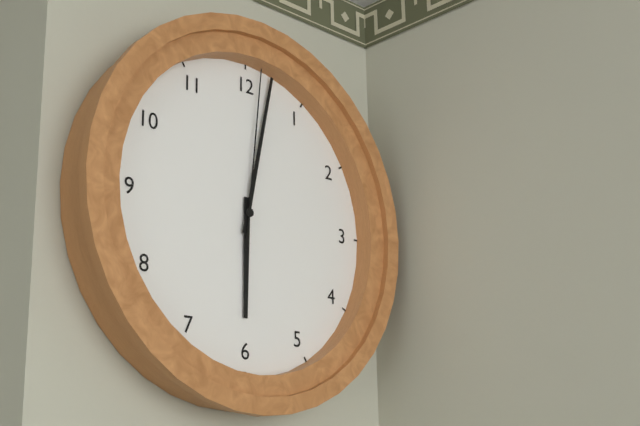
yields h=6 m=2 s=1
